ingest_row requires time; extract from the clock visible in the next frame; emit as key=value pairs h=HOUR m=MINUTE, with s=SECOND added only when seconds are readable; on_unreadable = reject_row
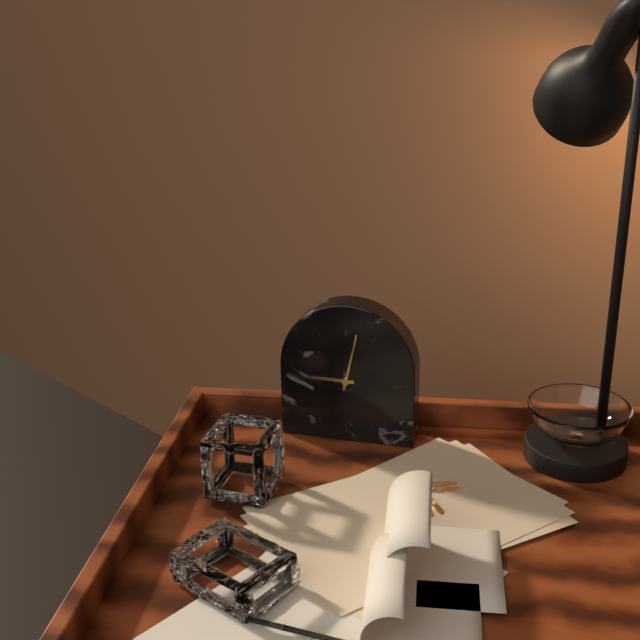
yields h=9 m=2
